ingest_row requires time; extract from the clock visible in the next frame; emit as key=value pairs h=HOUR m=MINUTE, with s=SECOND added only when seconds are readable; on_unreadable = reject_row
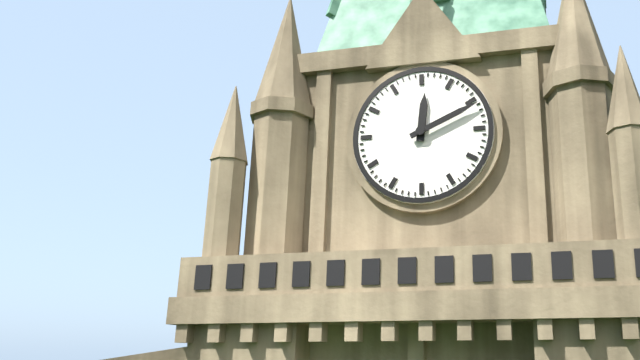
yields h=12 m=11
